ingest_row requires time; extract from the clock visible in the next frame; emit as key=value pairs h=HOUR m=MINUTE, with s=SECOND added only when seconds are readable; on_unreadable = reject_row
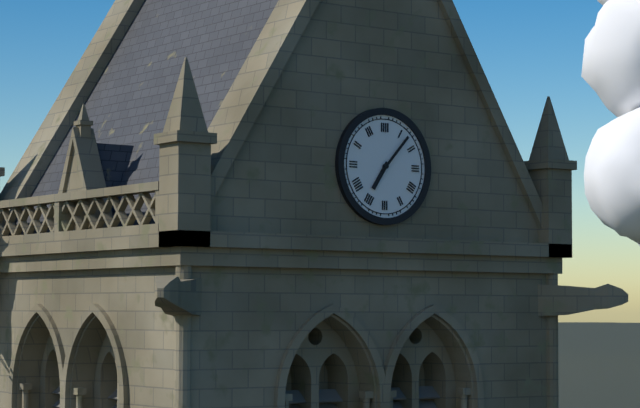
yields h=7 m=7
